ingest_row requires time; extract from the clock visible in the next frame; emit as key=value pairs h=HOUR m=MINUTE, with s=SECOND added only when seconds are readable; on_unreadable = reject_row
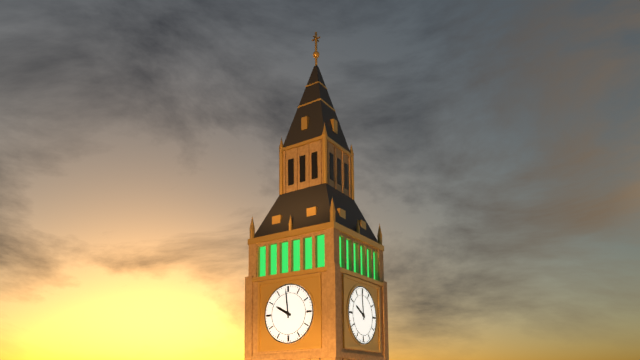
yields h=9 m=59
